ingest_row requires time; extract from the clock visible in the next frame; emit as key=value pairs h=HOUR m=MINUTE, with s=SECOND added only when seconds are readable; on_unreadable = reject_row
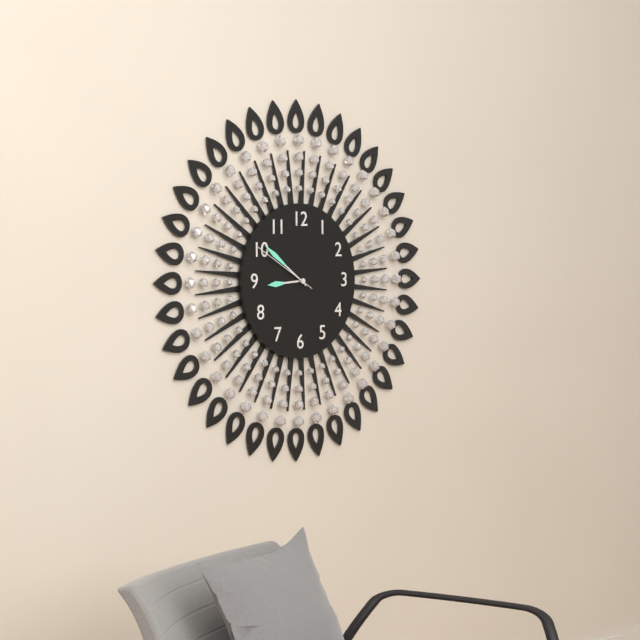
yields h=8 m=51 s=50
